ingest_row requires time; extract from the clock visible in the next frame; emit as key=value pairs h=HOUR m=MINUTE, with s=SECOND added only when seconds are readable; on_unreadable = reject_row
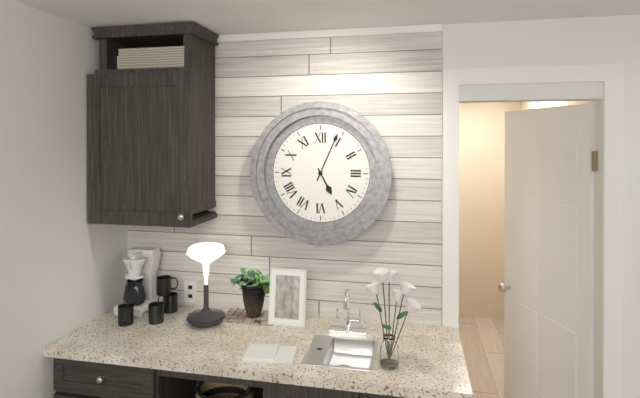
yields h=5 m=4
